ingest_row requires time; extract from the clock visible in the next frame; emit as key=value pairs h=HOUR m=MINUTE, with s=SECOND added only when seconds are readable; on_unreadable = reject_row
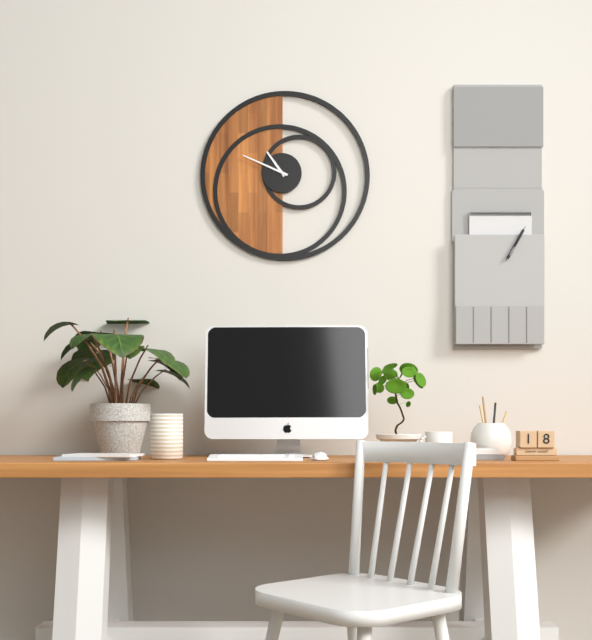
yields h=10 m=49
